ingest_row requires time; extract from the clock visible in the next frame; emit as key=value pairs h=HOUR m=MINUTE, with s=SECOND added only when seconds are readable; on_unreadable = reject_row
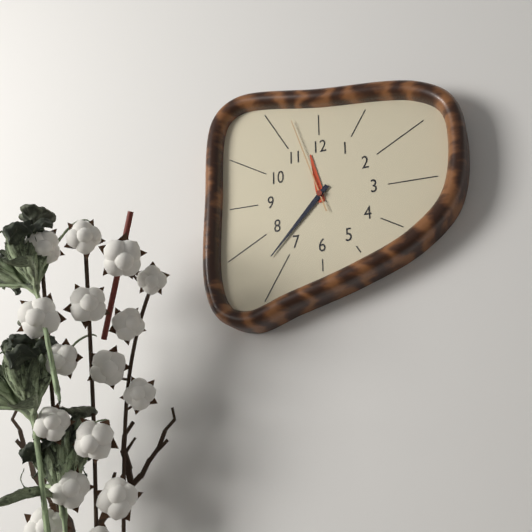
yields h=11 m=37 s=57
